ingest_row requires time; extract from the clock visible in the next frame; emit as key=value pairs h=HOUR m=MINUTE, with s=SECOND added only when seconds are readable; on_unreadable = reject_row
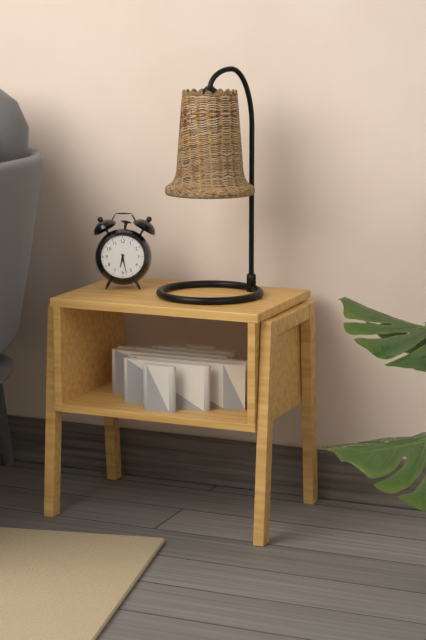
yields h=6 m=28
